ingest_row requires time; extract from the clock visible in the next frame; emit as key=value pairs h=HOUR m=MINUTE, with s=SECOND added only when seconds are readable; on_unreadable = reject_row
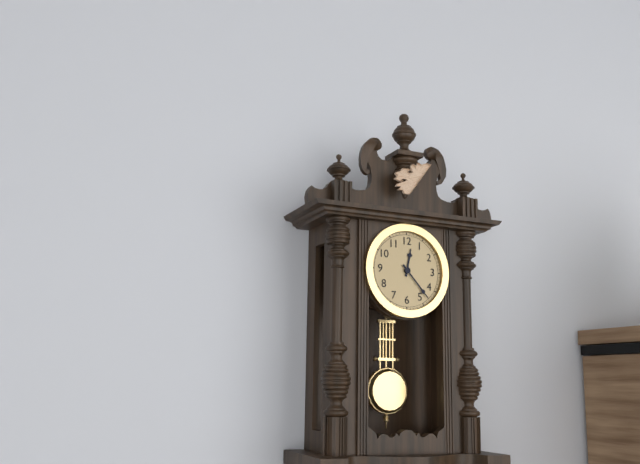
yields h=12 m=23
